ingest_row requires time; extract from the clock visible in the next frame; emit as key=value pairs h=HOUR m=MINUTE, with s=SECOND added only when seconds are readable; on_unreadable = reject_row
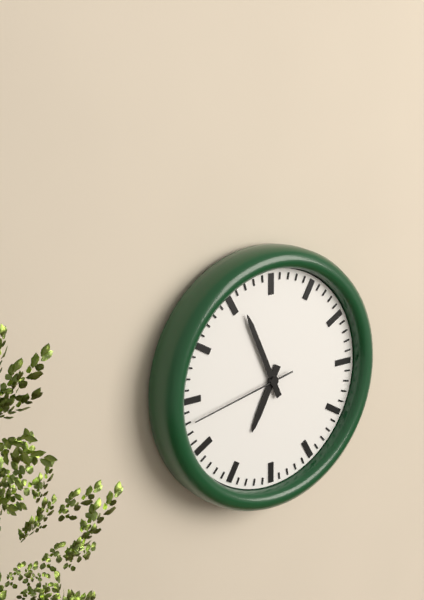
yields h=6 m=56 s=43
